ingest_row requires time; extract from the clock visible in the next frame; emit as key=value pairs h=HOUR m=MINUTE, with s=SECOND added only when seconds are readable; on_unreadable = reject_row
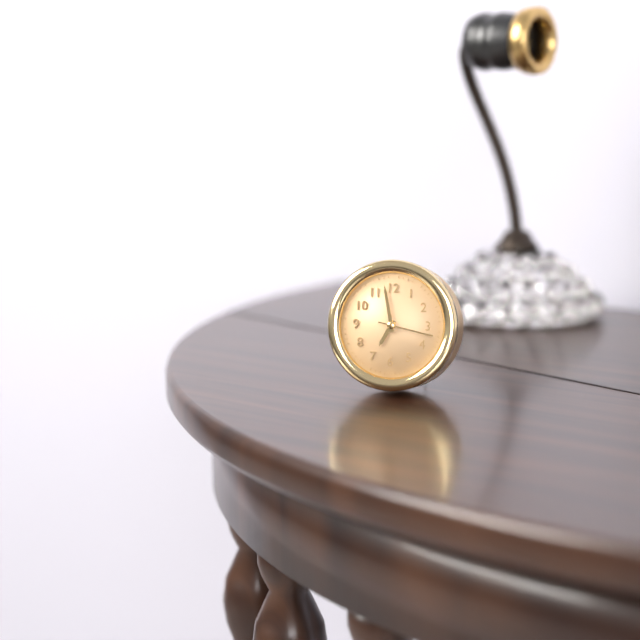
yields h=6 m=58 s=17
